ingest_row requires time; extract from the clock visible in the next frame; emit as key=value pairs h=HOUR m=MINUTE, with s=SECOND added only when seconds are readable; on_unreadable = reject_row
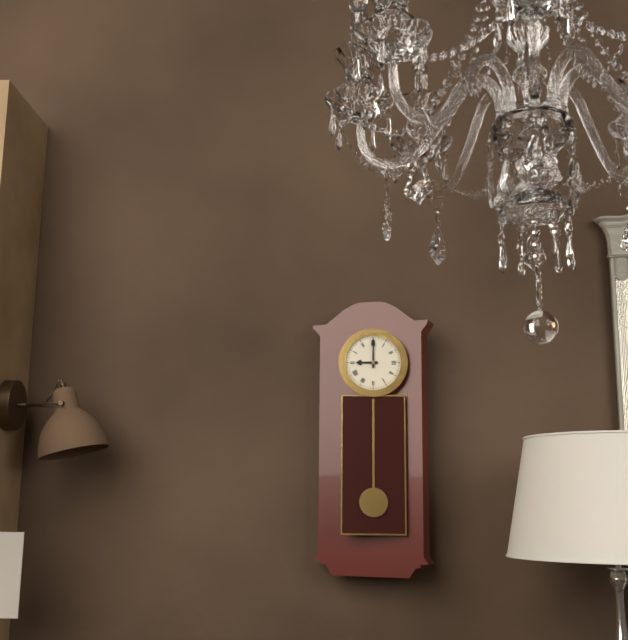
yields h=9 m=0
